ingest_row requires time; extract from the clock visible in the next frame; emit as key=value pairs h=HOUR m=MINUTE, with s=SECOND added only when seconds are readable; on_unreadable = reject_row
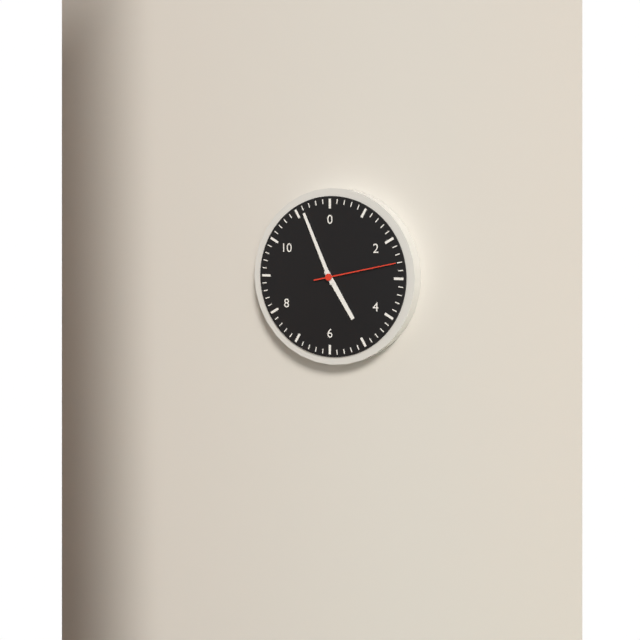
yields h=4 m=56 s=13
